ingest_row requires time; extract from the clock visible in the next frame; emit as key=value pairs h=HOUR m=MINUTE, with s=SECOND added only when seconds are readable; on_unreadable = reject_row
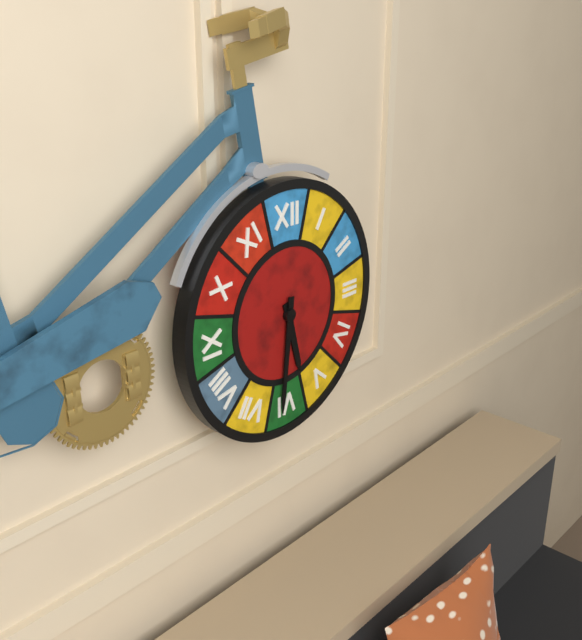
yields h=5 m=31
